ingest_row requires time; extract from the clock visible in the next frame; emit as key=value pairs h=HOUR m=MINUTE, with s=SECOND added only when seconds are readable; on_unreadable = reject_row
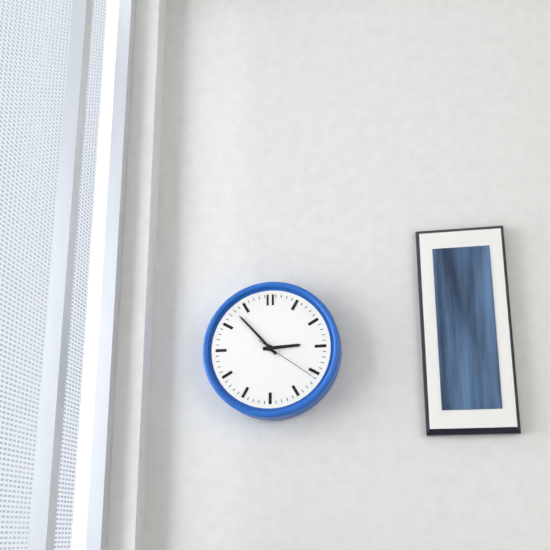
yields h=2 m=53 s=21
